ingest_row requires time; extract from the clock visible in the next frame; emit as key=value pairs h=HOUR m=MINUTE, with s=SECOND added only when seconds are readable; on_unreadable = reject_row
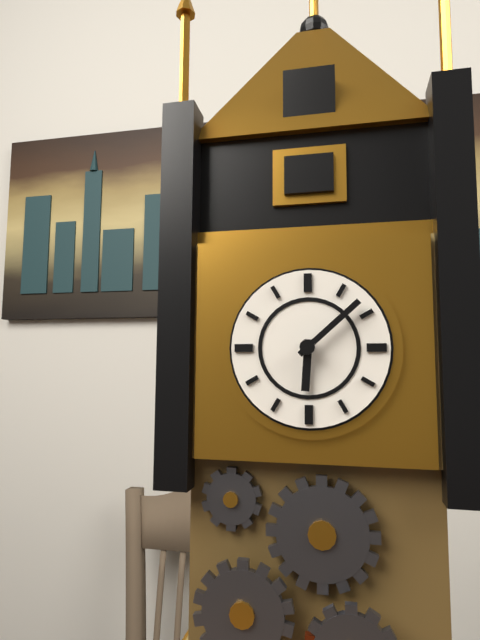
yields h=6 m=8
